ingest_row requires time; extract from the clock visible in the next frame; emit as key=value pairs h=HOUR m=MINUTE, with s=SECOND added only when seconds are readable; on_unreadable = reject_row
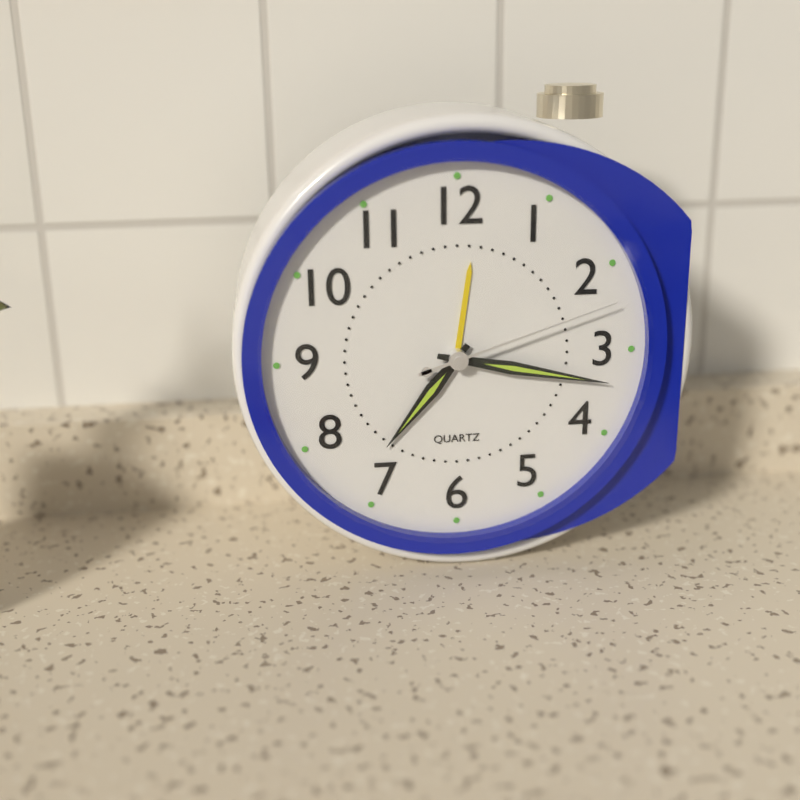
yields h=7 m=17 s=12
